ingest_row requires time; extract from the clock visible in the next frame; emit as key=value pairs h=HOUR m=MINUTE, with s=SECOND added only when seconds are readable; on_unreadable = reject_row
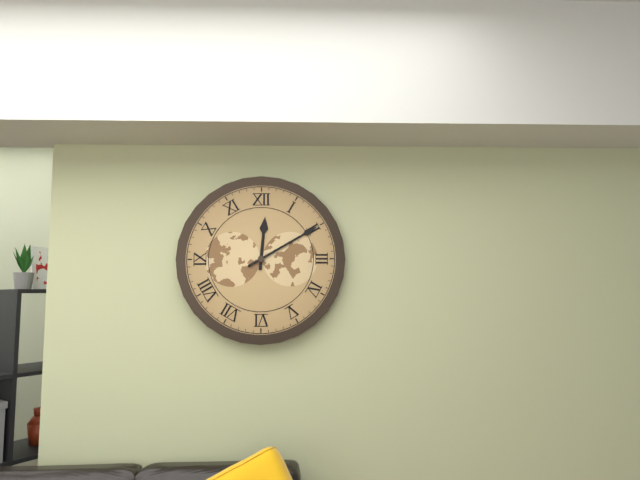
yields h=12 m=10
